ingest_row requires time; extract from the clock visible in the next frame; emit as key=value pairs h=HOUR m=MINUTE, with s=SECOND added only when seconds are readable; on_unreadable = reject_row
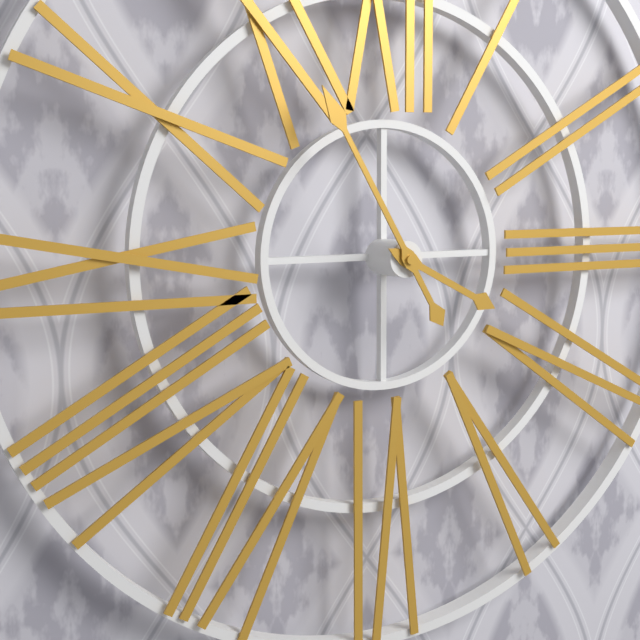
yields h=3 m=55
